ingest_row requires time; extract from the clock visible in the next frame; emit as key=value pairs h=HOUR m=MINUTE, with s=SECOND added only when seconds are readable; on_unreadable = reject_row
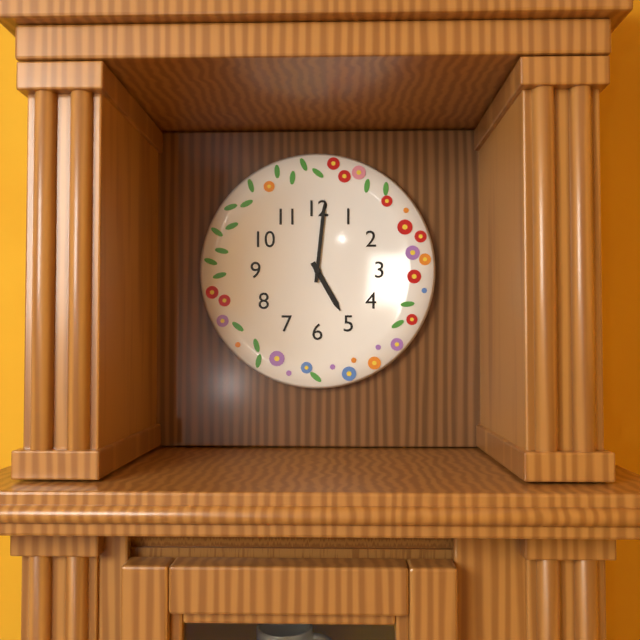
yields h=5 m=1
